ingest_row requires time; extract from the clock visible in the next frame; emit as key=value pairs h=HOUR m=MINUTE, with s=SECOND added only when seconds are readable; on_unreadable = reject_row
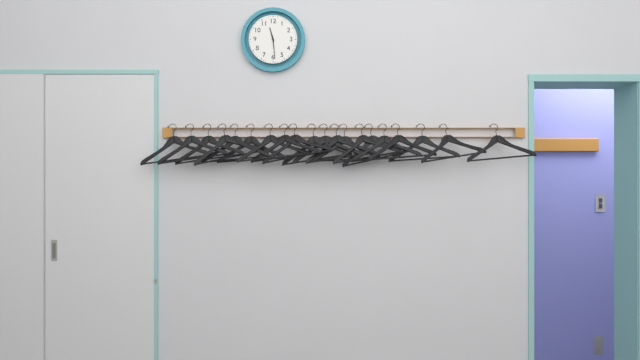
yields h=11 m=29
